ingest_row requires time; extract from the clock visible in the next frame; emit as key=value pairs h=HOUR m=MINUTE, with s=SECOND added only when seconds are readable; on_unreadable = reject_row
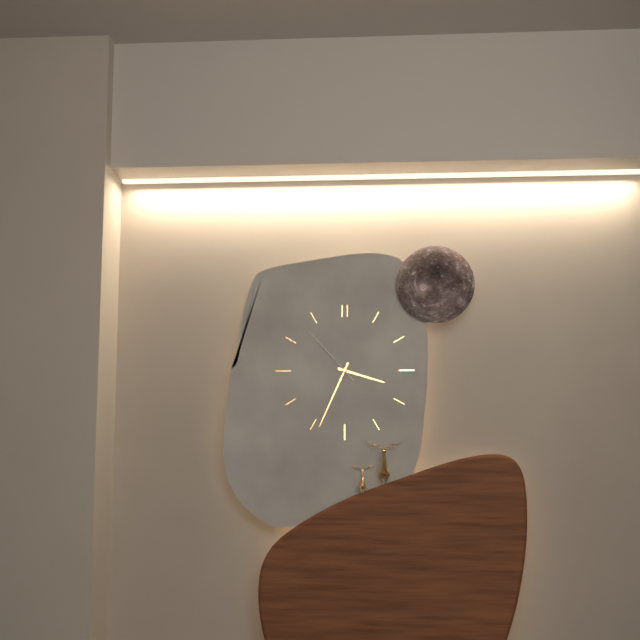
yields h=3 m=34 s=53
